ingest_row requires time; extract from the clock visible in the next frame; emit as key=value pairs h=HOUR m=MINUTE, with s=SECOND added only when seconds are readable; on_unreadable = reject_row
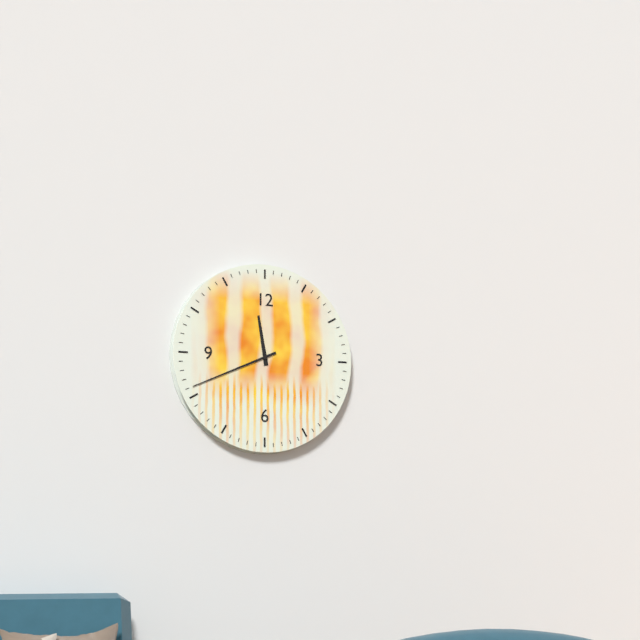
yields h=11 m=41
